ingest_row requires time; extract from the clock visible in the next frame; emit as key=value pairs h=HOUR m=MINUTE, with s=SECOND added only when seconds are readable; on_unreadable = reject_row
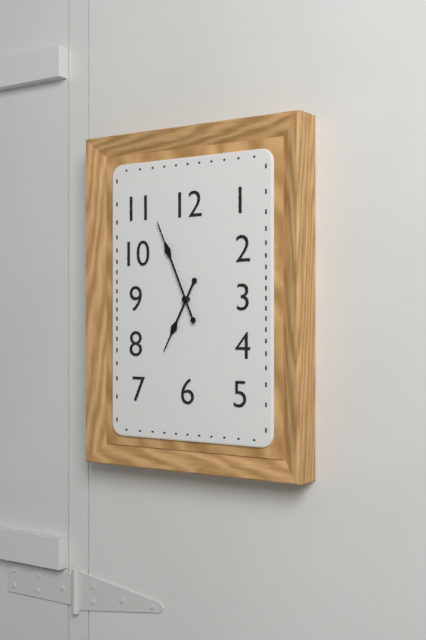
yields h=6 m=56
